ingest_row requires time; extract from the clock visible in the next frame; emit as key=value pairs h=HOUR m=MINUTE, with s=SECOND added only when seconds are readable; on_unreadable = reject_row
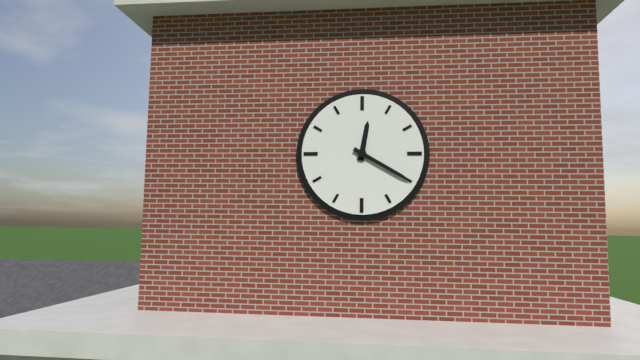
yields h=12 m=20
